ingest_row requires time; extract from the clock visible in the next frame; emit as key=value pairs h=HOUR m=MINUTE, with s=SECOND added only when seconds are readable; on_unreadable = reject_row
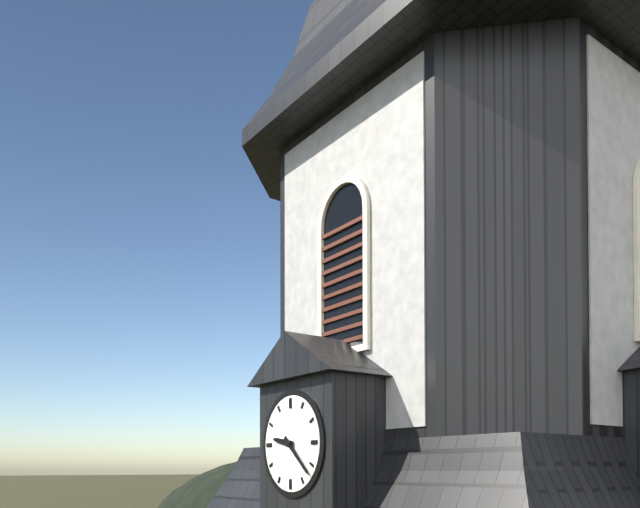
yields h=9 m=22
